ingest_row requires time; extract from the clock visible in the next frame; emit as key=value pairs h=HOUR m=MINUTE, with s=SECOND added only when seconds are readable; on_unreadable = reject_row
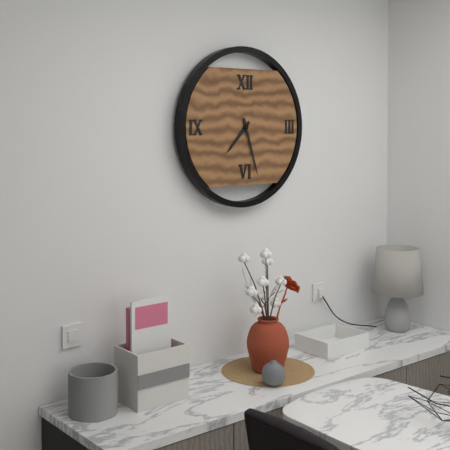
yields h=7 m=27
